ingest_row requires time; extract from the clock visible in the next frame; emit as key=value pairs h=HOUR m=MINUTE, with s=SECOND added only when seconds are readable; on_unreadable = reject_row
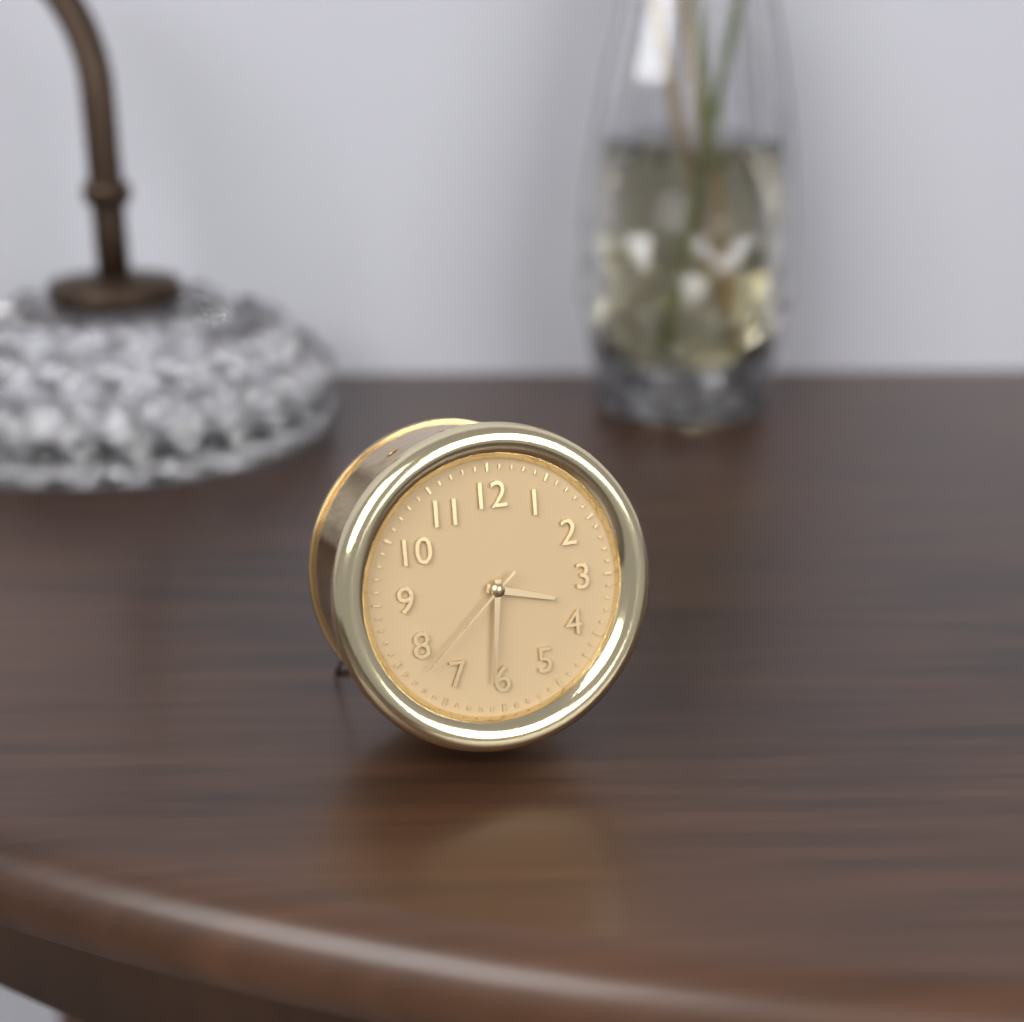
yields h=3 m=31 s=38
